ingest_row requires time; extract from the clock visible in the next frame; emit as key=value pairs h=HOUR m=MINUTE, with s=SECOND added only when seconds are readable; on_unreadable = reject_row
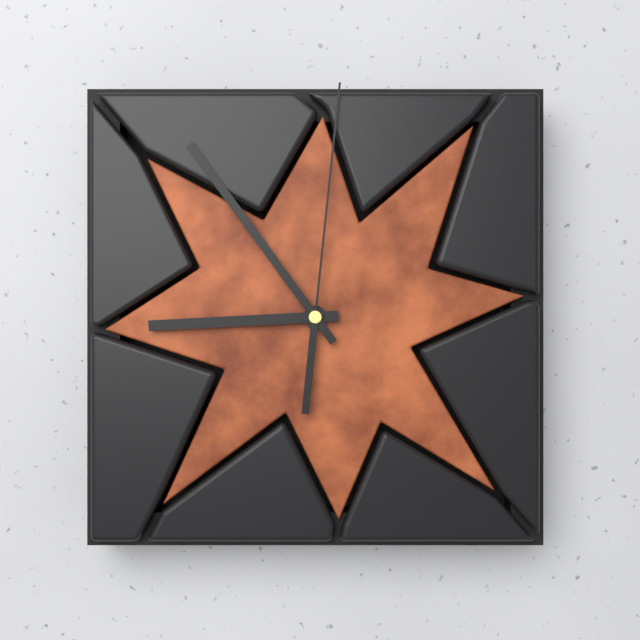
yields h=8 m=54 s=1
